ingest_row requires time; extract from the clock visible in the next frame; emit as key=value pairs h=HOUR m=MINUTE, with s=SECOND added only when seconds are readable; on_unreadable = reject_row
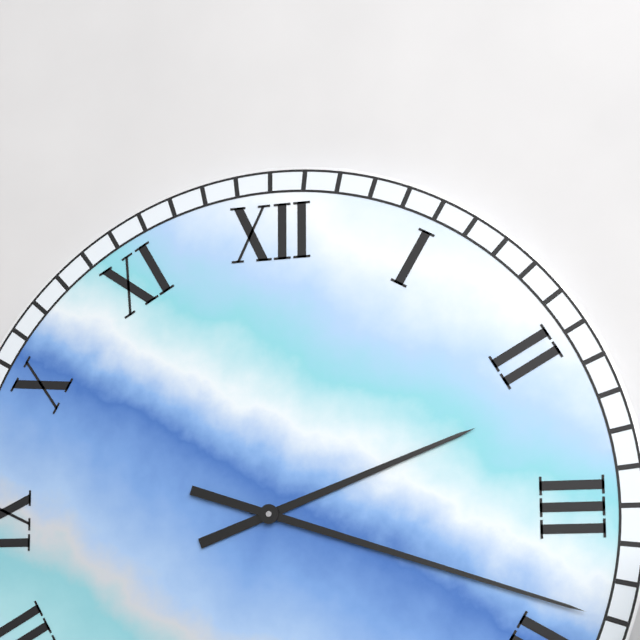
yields h=2 m=18
